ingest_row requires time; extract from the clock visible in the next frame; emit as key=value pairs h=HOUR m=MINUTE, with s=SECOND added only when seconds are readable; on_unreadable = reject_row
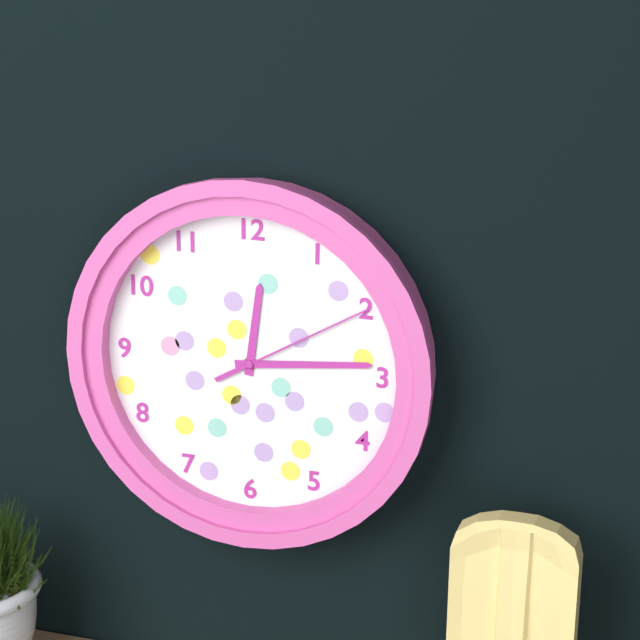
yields h=12 m=14 s=10
